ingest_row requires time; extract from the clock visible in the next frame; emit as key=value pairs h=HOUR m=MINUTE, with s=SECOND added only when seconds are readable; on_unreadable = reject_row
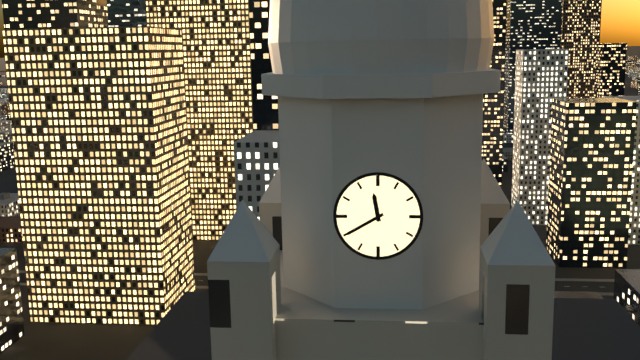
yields h=11 m=40
